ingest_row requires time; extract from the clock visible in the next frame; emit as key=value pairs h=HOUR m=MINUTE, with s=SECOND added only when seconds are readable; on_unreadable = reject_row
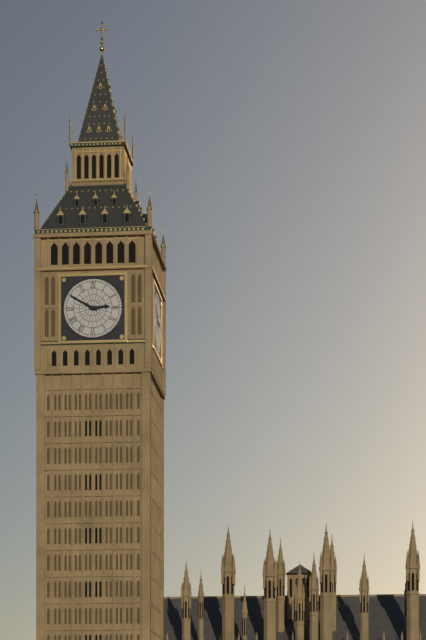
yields h=2 m=50
